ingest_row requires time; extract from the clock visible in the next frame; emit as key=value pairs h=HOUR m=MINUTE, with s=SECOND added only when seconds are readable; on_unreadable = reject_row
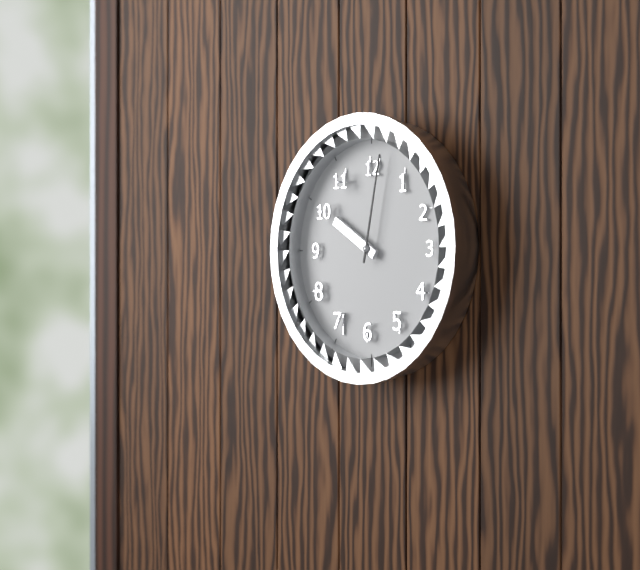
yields h=10 m=2
